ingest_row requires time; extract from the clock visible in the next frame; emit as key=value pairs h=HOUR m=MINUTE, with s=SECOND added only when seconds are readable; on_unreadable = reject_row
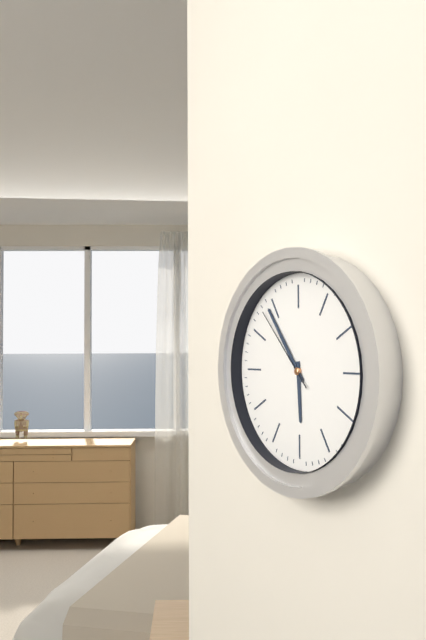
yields h=5 m=54 s=53
